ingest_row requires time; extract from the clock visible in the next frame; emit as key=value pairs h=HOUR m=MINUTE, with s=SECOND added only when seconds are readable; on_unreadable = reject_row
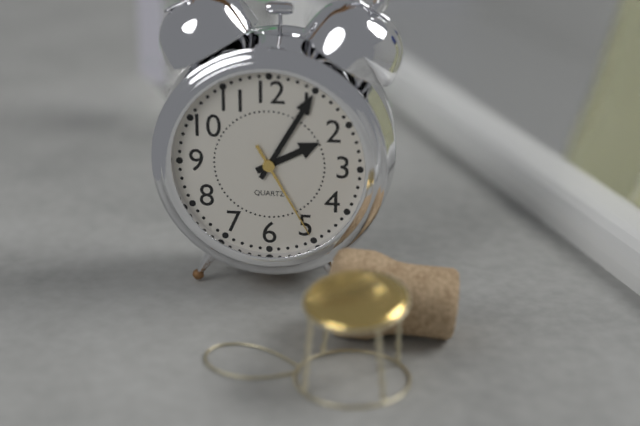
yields h=2 m=5 s=25
